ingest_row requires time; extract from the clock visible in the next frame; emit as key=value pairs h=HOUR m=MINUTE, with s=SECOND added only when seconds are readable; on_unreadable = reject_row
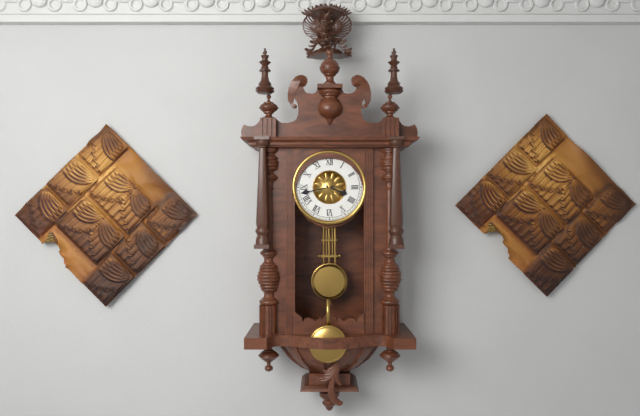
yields h=3 m=43
